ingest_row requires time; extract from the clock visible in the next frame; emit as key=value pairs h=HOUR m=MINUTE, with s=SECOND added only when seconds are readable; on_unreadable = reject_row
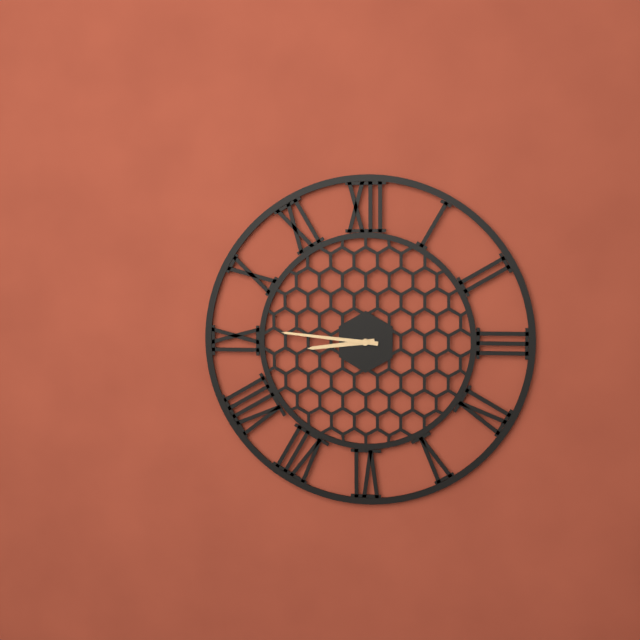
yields h=8 m=46
